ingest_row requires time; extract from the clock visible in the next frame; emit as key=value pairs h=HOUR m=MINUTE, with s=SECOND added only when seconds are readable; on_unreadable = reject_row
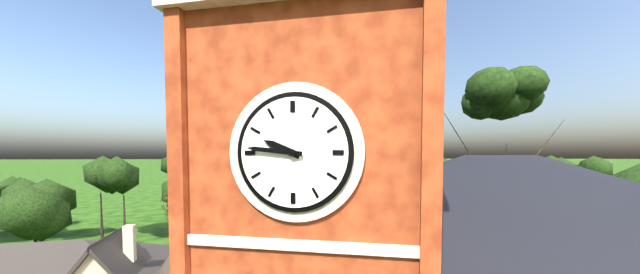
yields h=9 m=46
